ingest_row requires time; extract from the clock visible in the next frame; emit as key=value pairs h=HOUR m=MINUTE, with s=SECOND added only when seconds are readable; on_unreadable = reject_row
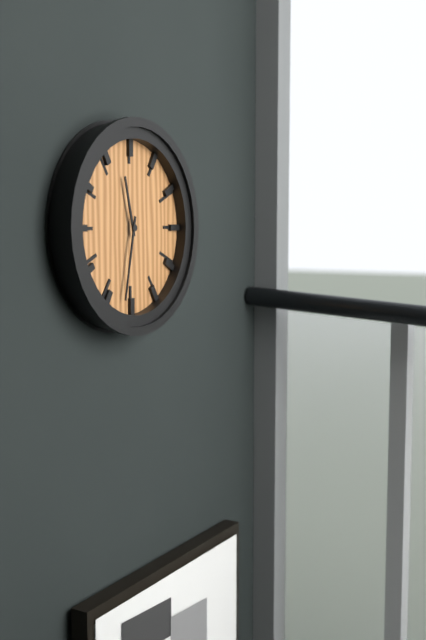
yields h=11 m=32
